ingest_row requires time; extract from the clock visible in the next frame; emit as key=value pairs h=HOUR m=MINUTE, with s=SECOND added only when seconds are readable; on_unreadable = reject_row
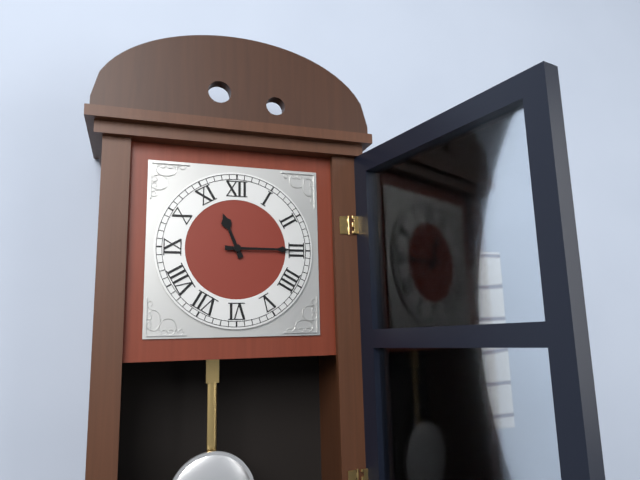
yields h=11 m=15
